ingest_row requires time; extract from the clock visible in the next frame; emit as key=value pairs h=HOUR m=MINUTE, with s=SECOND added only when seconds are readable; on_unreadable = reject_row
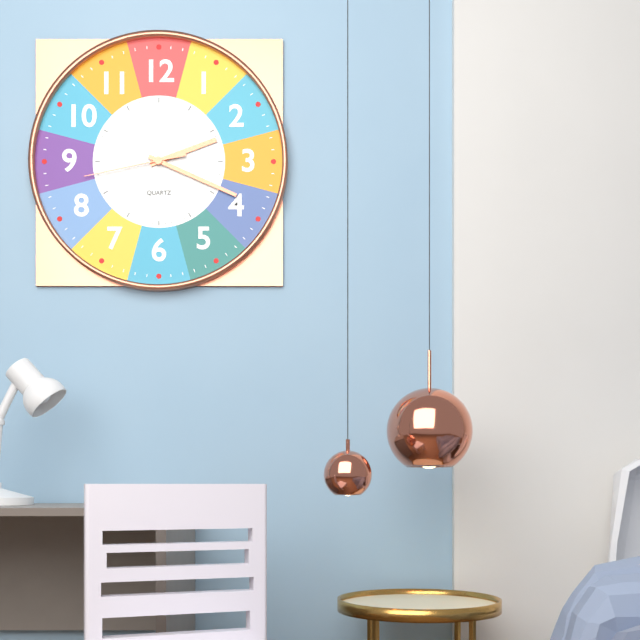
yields h=2 m=19 s=43
